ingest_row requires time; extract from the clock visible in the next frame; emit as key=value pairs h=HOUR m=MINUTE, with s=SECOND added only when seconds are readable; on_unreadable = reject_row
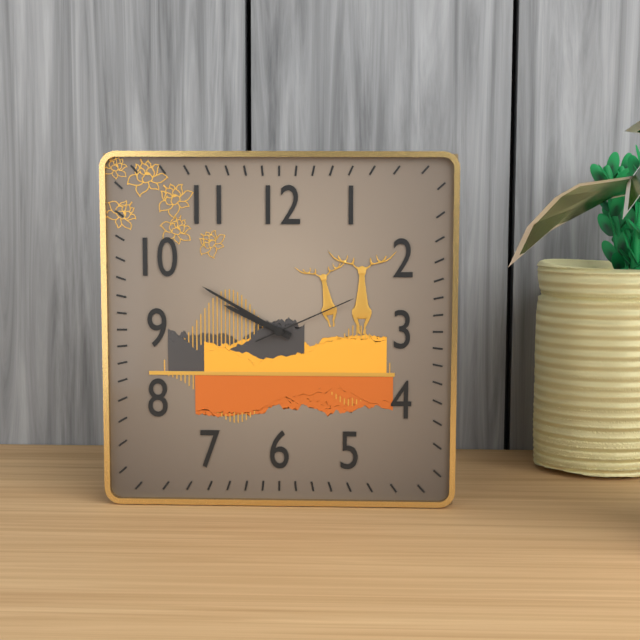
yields h=9 m=50 s=11
